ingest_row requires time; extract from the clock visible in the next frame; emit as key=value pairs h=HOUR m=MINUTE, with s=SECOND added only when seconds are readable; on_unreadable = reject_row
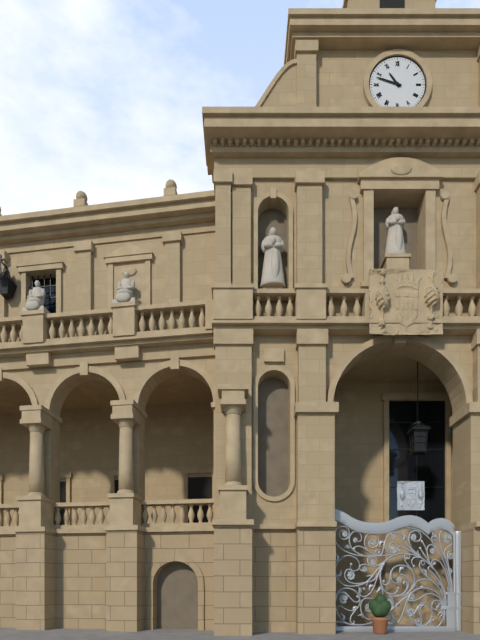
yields h=10 m=48
